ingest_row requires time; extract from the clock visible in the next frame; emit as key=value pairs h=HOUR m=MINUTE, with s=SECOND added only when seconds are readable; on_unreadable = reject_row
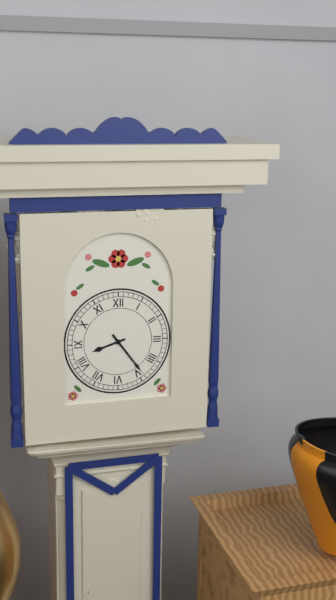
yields h=8 m=24
